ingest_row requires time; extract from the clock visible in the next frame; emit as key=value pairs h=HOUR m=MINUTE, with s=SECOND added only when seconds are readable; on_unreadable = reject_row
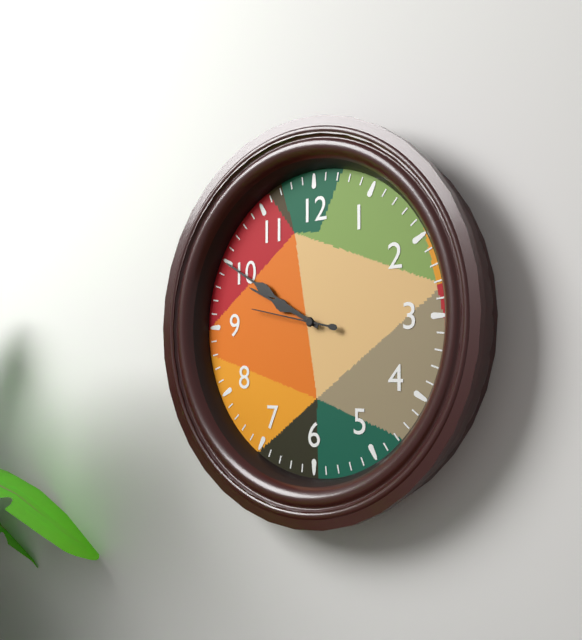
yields h=9 m=50 s=47
